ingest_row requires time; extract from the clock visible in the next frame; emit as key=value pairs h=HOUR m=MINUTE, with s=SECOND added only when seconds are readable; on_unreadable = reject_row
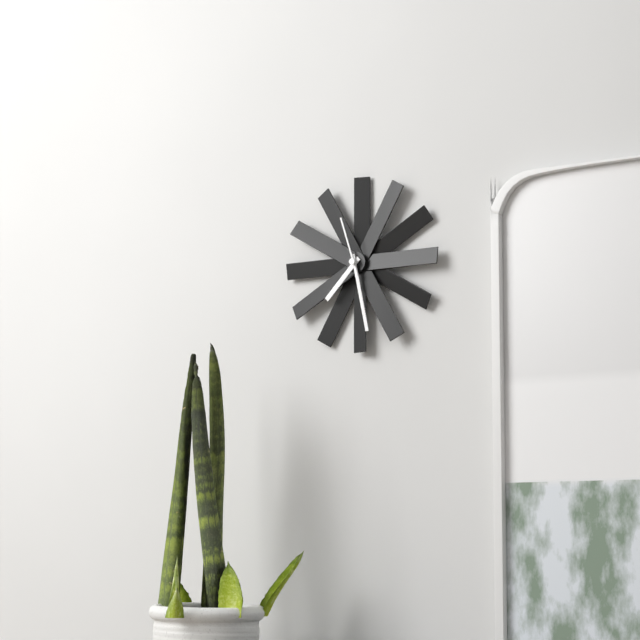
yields h=7 m=28 s=57
